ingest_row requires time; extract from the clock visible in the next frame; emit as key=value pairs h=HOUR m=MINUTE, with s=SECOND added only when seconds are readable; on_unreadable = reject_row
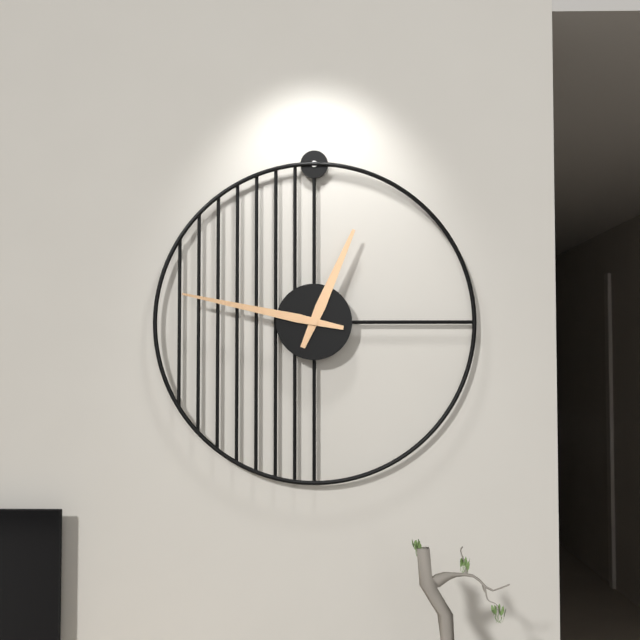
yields h=12 m=47
